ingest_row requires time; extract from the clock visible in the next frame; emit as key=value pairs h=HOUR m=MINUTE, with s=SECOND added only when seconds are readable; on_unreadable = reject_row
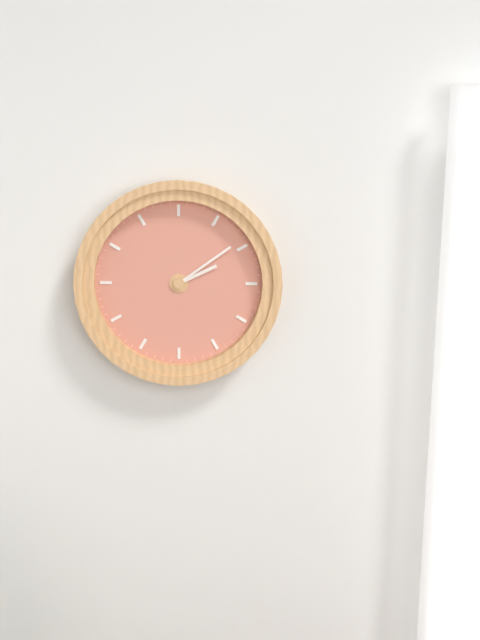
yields h=2 m=9
